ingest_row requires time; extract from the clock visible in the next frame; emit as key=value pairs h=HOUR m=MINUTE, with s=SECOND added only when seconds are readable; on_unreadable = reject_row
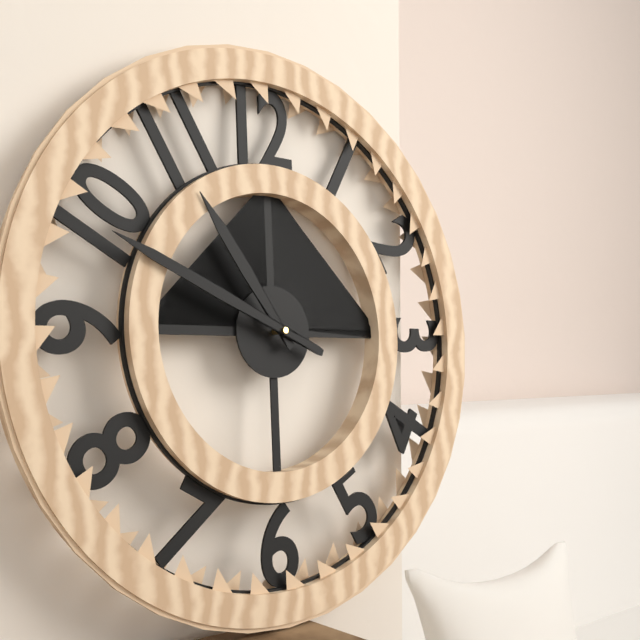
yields h=10 m=49
